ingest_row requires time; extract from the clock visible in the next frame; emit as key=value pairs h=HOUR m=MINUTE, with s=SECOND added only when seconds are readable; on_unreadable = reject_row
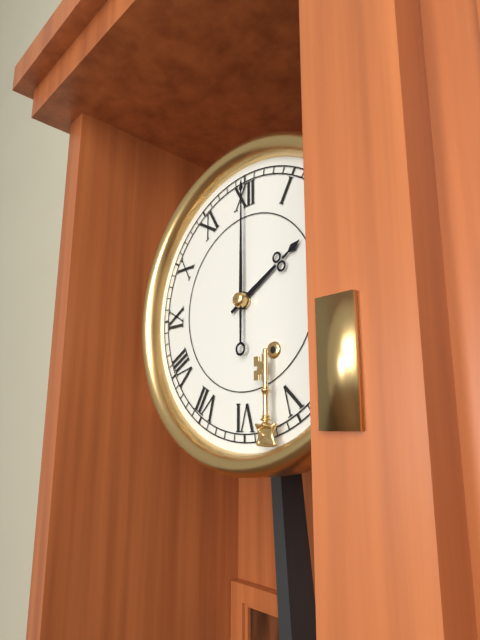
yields h=2 m=0
